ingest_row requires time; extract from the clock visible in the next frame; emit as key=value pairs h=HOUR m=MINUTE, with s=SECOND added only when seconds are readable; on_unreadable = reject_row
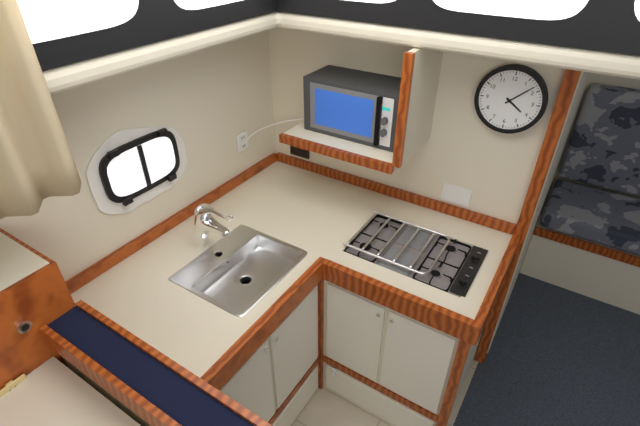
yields h=4 m=8
